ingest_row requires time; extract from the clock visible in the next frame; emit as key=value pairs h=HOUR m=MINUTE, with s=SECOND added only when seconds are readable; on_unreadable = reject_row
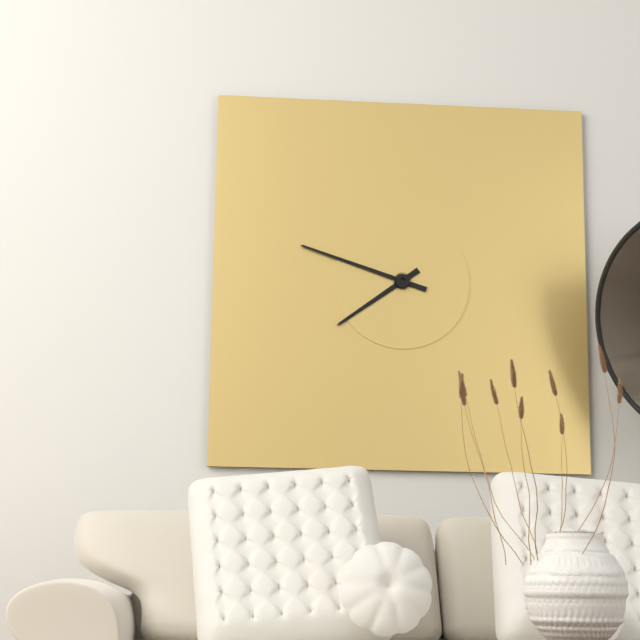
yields h=7 m=48
